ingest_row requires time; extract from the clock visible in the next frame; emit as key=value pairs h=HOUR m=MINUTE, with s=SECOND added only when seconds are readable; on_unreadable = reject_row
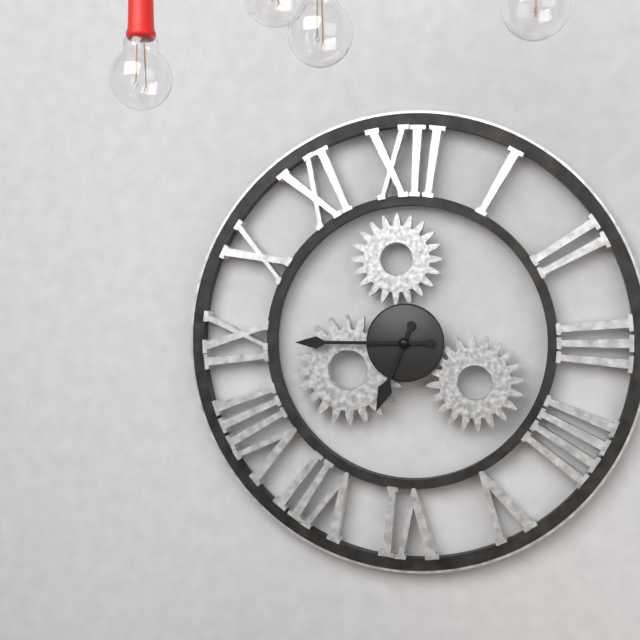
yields h=6 m=45
